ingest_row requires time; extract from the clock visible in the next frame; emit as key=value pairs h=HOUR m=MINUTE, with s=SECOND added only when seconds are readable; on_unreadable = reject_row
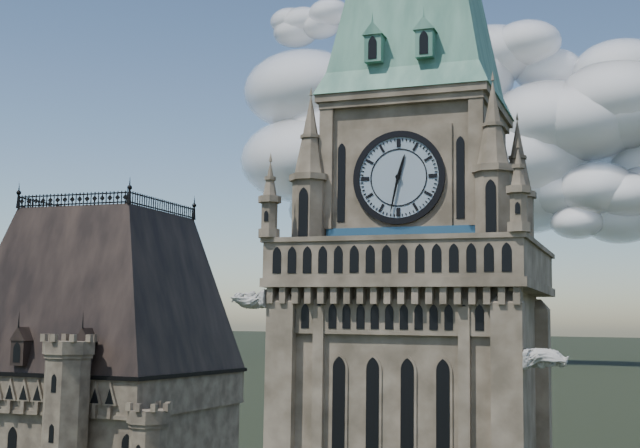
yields h=12 m=32
